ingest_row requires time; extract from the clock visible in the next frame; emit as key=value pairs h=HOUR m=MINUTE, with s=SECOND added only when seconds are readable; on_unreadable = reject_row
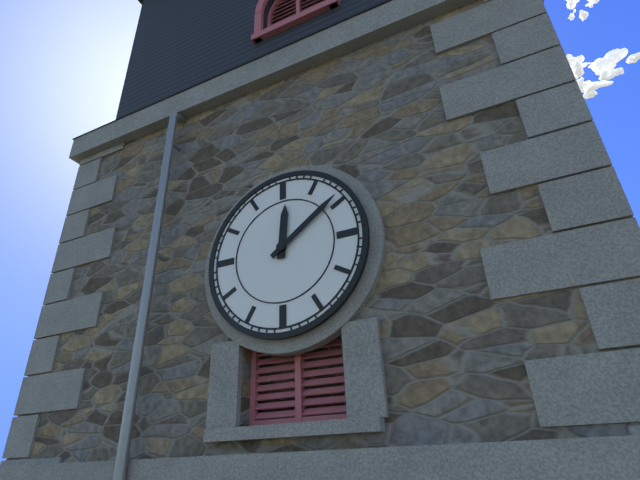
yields h=12 m=9
